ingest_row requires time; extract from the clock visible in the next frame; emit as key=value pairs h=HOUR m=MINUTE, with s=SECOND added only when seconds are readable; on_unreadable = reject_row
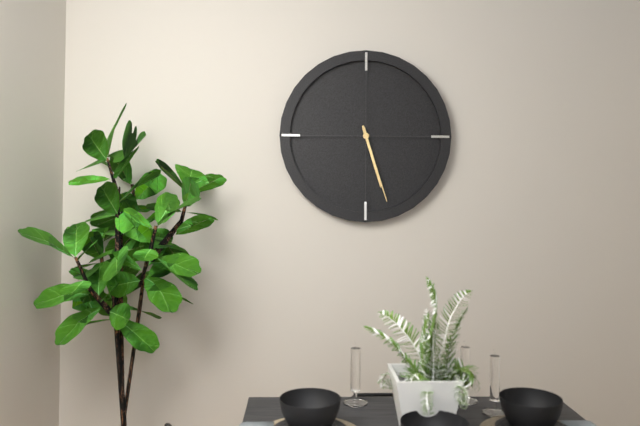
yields h=5 m=27
